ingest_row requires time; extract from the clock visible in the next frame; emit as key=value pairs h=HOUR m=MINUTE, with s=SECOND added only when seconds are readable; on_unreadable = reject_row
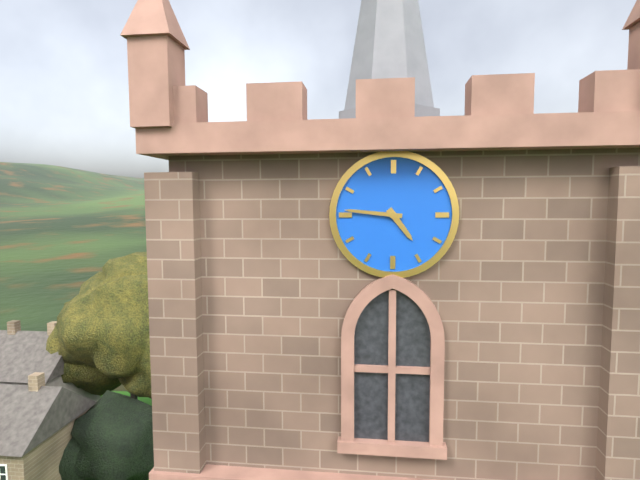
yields h=4 m=46
